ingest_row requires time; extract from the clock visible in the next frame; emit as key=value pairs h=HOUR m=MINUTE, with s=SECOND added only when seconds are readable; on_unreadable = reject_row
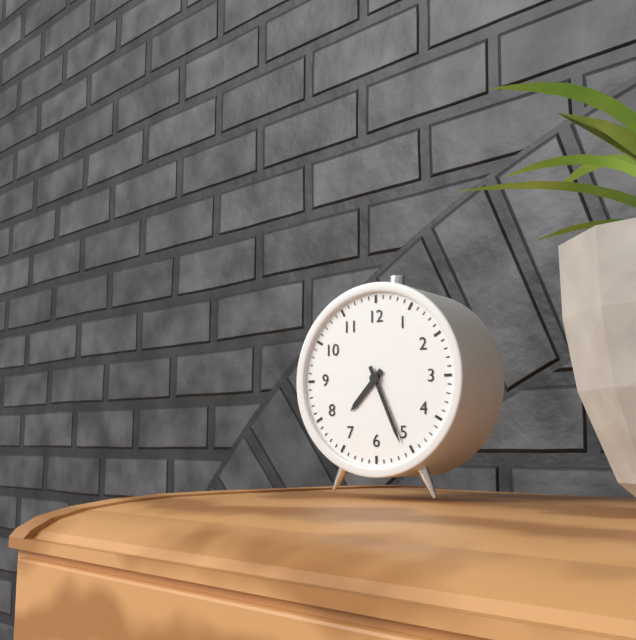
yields h=7 m=26
